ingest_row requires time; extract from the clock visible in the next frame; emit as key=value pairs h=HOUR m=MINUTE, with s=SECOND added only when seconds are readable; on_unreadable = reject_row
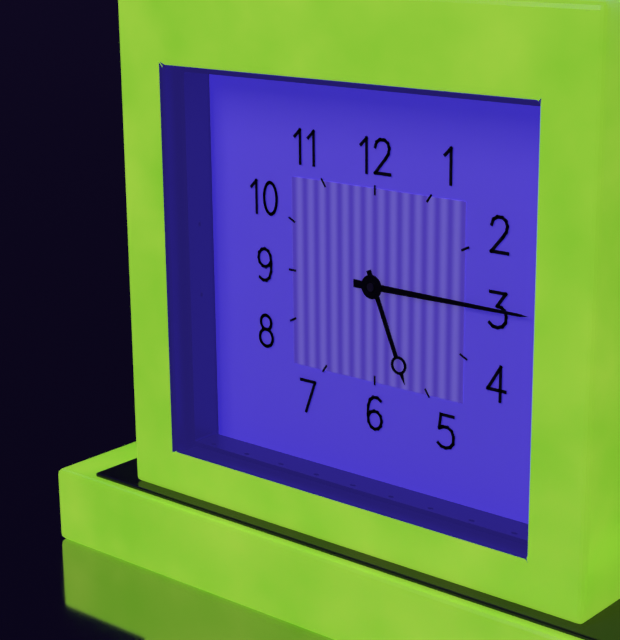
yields h=5 m=15
